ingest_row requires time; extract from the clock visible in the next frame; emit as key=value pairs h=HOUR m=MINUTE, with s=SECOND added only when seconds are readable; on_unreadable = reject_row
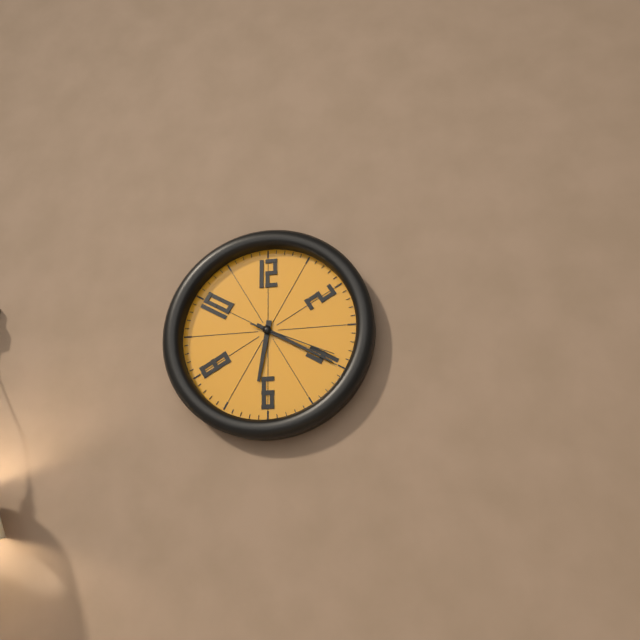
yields h=6 m=20 s=19
